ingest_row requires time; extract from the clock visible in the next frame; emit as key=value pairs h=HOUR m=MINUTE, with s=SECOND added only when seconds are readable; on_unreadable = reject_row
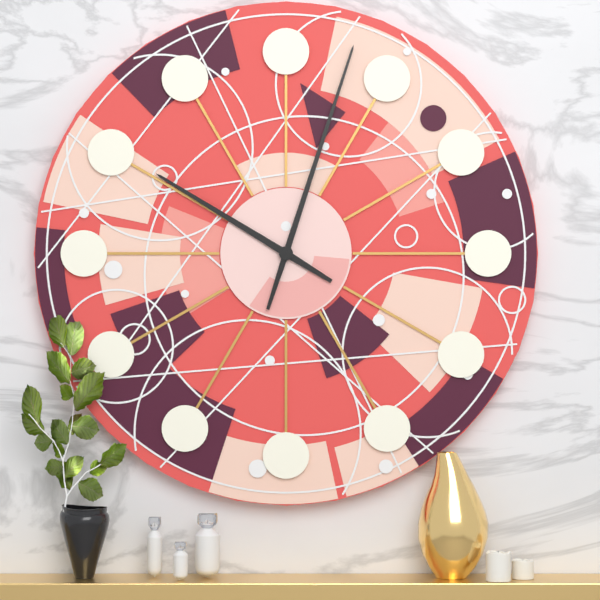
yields h=10 m=3
